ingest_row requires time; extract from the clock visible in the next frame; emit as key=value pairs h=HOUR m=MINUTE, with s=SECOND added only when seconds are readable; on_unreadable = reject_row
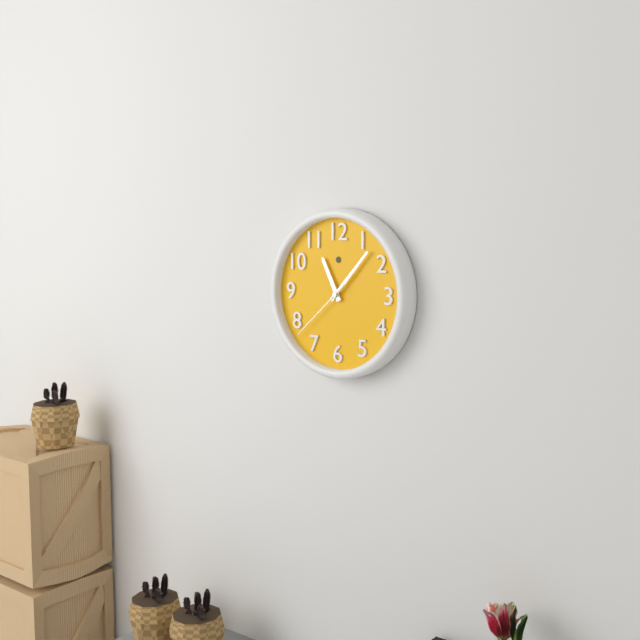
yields h=11 m=7 s=38
